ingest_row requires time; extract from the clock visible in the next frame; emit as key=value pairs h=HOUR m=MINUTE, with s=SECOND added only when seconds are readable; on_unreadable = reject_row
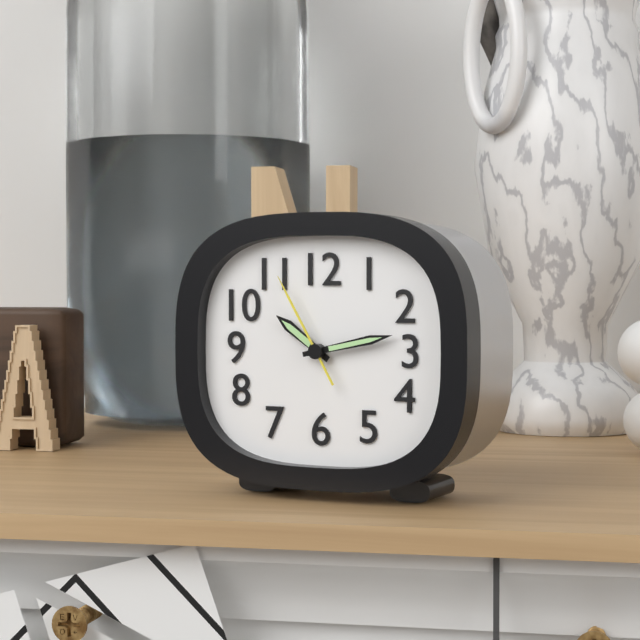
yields h=10 m=13 s=55
